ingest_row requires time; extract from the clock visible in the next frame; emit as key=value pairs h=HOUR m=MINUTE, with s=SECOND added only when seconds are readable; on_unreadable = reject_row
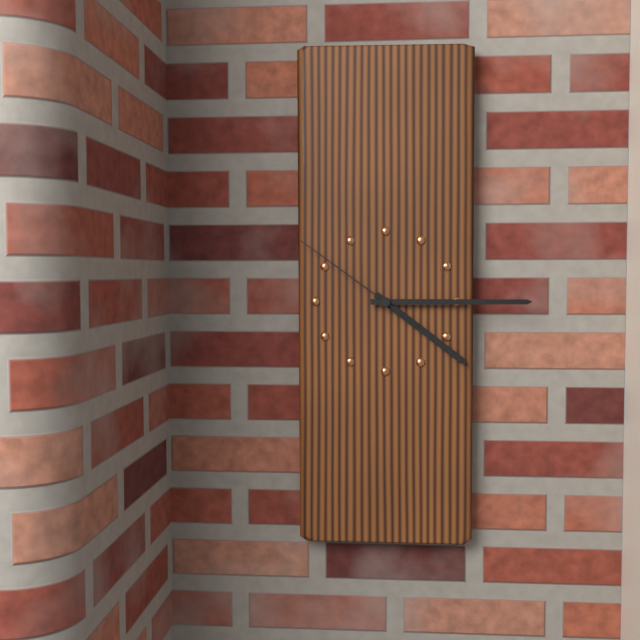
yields h=4 m=15 s=51
